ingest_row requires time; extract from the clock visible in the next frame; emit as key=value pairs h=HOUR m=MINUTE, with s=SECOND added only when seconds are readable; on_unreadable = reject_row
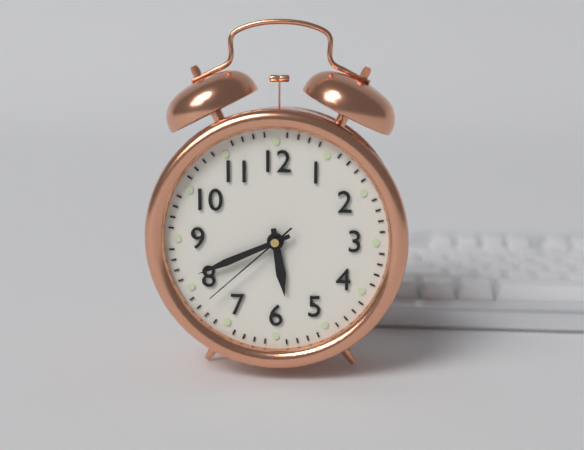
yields h=5 m=41 s=38
